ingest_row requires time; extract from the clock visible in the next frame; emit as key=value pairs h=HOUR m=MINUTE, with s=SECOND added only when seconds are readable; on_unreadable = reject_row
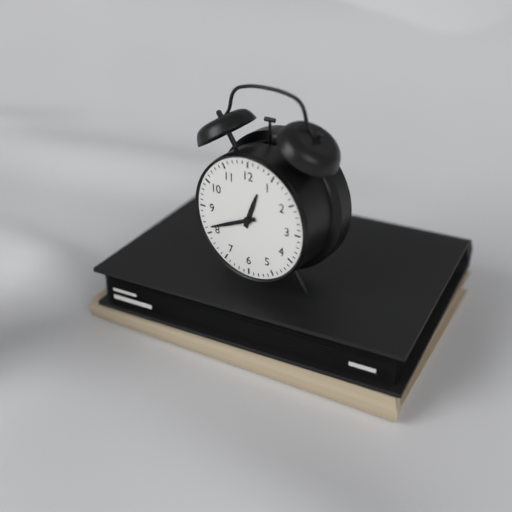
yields h=12 m=41
